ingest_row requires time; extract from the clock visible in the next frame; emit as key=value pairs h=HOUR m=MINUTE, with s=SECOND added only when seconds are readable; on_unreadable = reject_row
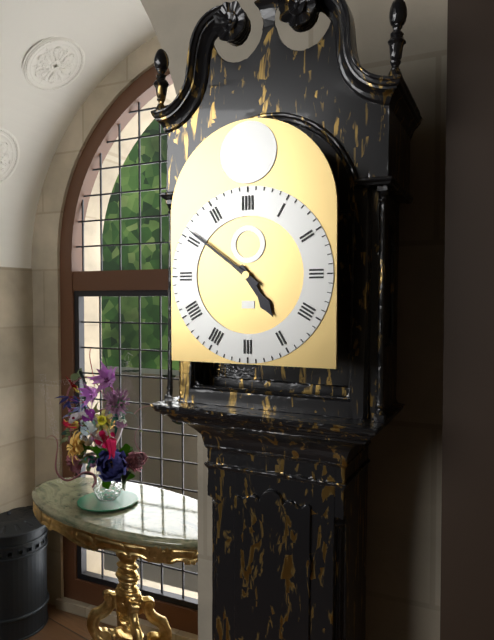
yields h=4 m=51
